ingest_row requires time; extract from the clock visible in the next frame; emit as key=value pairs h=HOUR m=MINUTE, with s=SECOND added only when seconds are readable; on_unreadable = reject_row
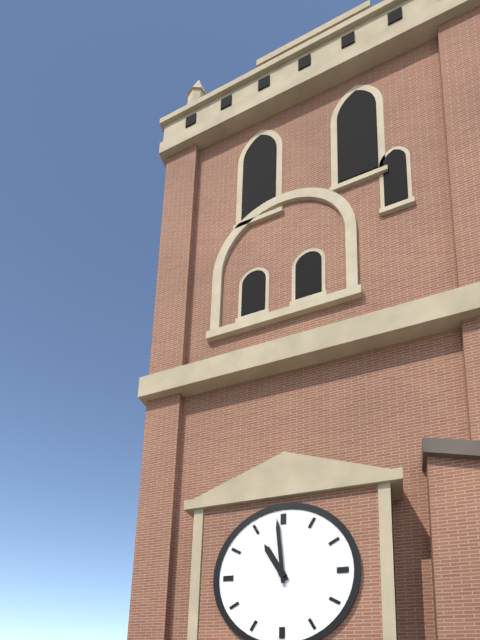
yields h=10 m=59
